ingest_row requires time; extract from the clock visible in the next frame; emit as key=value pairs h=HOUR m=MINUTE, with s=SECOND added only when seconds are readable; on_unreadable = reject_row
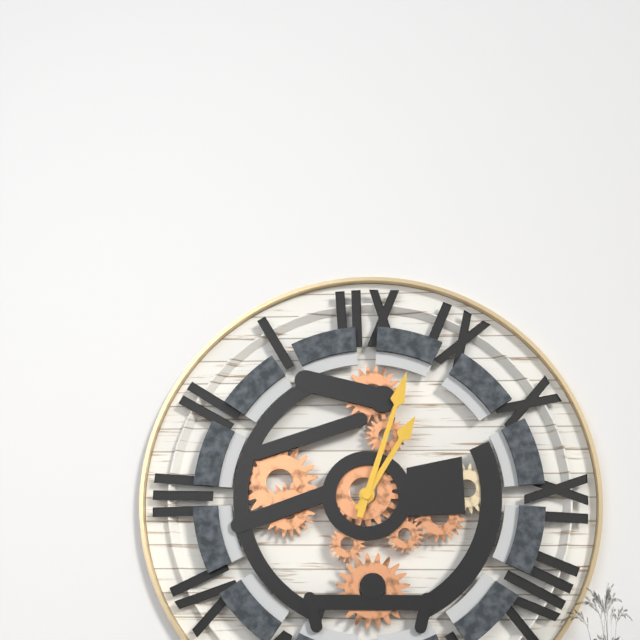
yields h=1 m=3
